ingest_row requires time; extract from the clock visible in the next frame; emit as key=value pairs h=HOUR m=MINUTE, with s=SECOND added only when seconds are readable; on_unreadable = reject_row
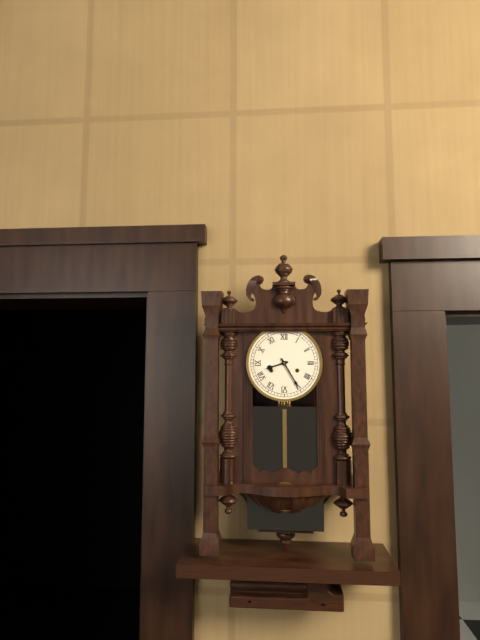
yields h=8 m=25
